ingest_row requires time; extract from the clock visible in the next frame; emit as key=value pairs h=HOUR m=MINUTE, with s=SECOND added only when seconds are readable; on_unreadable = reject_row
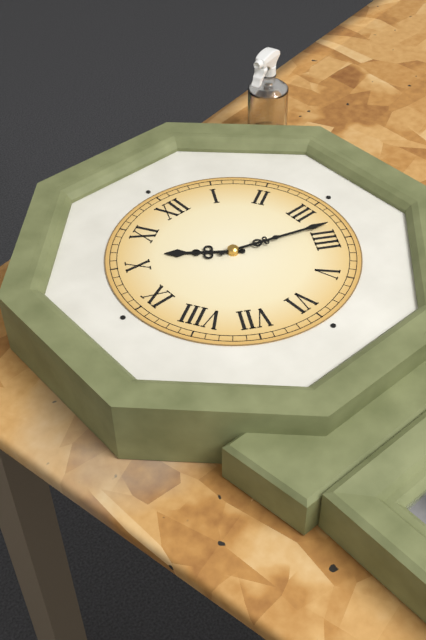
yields h=10 m=18
